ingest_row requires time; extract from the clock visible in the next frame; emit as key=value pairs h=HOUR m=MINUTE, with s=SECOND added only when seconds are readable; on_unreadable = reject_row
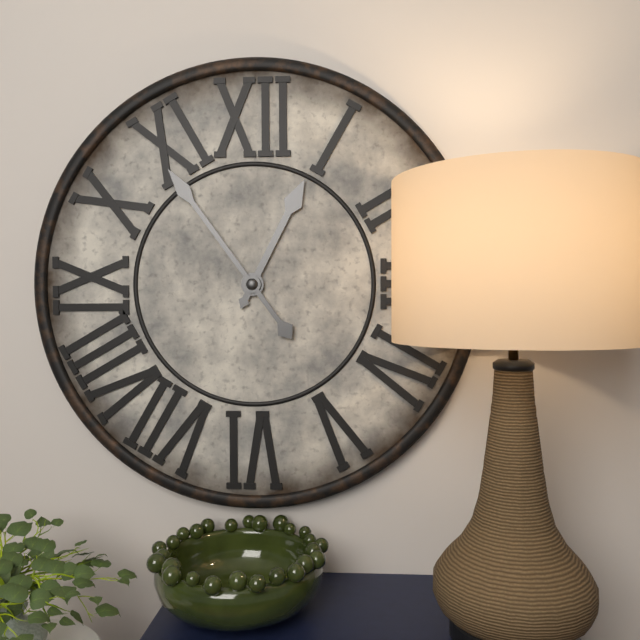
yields h=12 m=54
